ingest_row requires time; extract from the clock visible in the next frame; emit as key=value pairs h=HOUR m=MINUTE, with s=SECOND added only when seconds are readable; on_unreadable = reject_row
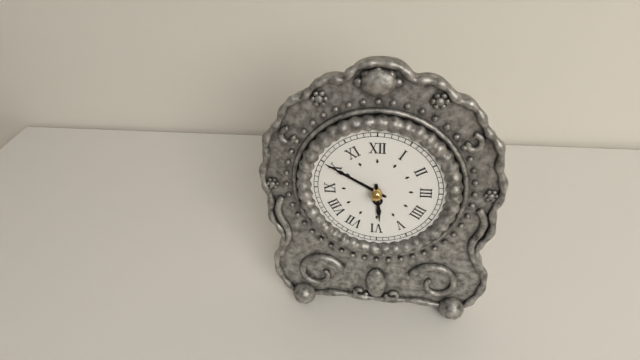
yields h=5 m=50
